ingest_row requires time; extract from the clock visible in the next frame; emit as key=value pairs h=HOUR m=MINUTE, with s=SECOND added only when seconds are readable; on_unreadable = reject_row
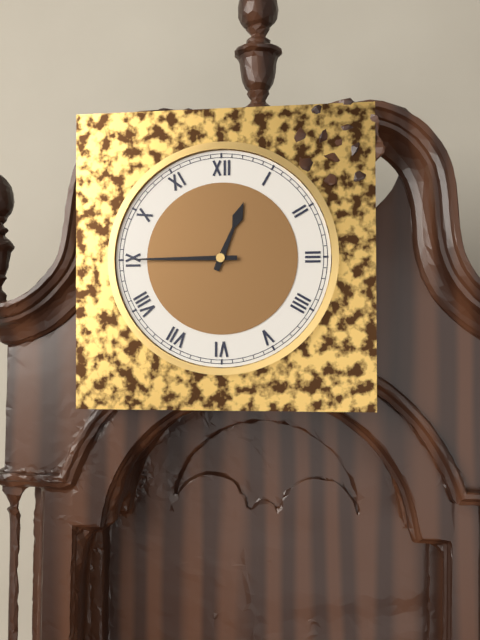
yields h=12 m=45
